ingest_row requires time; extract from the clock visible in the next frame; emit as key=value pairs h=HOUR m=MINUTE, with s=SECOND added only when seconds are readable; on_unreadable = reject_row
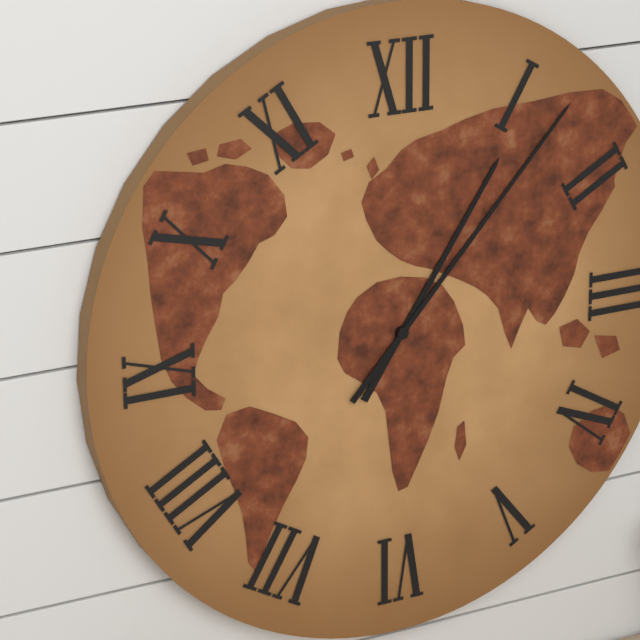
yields h=1 m=7
